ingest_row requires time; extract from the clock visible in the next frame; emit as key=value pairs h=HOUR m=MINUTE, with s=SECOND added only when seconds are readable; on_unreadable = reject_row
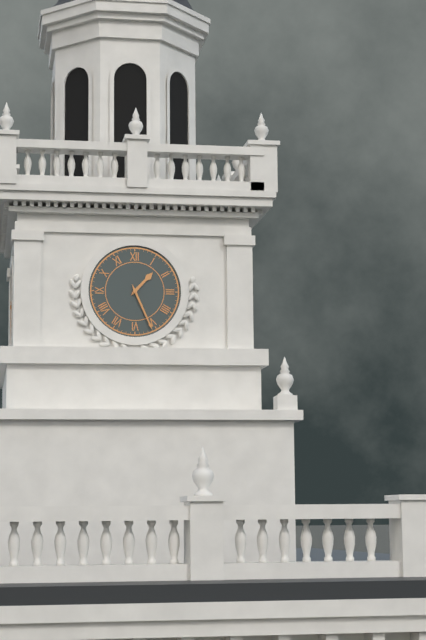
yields h=1 m=26
